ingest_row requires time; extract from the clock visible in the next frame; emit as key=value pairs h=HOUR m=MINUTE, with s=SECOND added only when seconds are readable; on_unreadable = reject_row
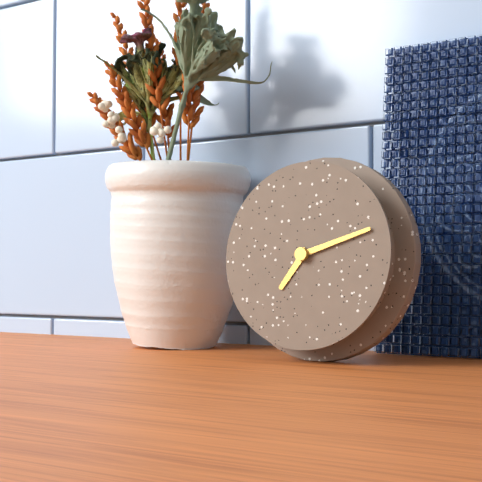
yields h=7 m=12
